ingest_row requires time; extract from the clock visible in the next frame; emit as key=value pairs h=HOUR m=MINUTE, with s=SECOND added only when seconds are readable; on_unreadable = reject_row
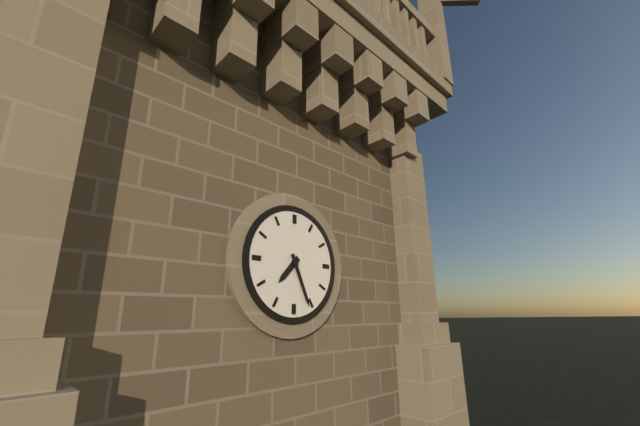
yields h=7 m=26
